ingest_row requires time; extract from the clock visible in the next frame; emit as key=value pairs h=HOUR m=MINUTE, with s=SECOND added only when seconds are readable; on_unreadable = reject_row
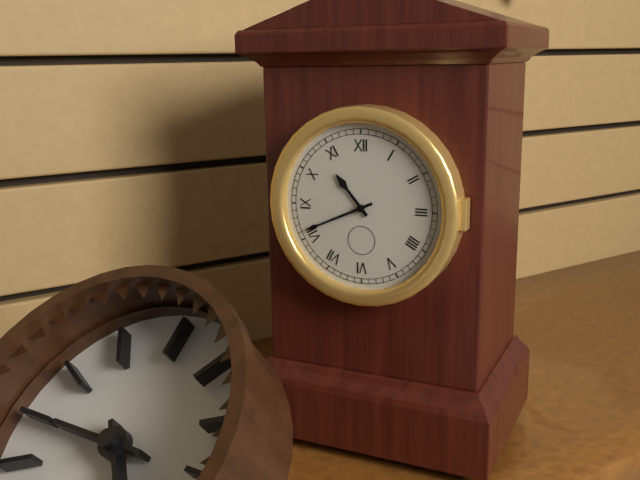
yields h=10 m=41
